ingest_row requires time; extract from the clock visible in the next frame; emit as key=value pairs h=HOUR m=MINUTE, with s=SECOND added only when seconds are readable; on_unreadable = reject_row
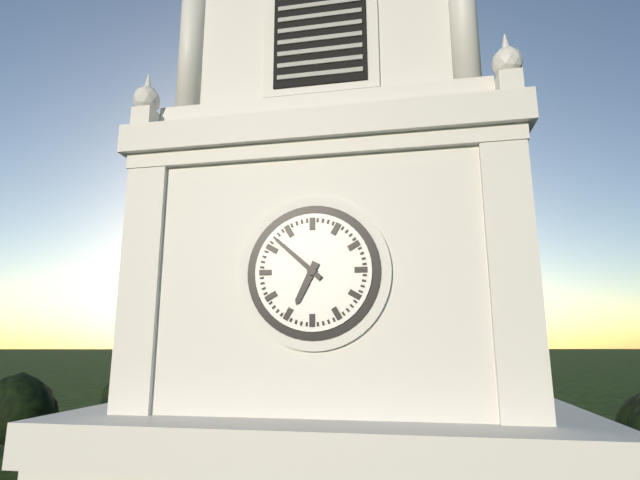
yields h=6 m=52
